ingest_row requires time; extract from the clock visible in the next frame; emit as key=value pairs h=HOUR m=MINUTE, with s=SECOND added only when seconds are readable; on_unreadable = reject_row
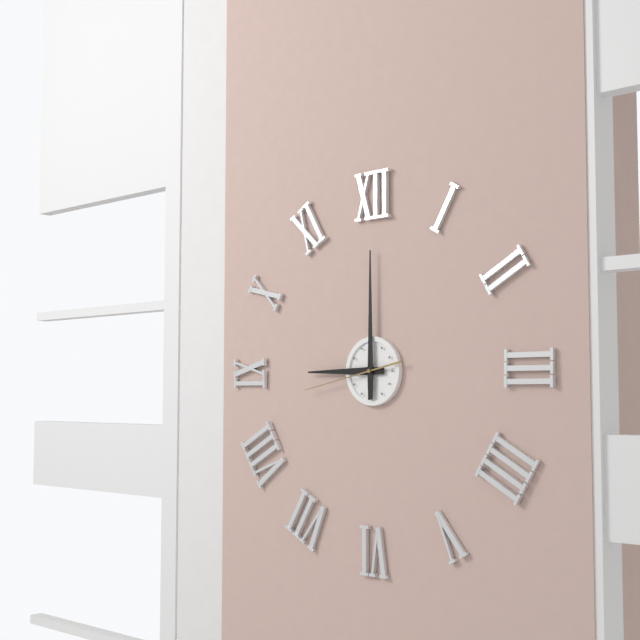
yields h=9 m=0 s=43
